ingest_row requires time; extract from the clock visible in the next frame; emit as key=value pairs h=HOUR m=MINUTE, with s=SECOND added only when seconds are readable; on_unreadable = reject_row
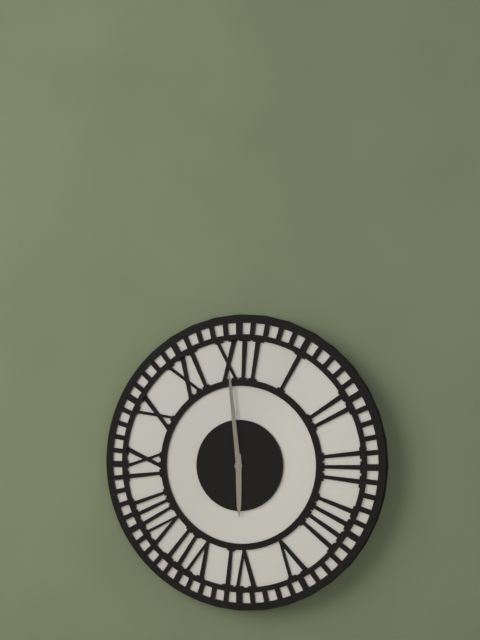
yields h=5 m=59
